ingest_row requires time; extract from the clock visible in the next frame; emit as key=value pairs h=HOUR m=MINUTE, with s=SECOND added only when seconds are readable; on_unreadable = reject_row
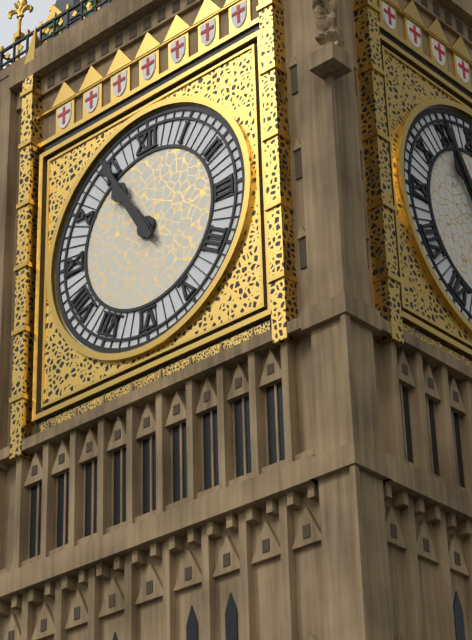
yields h=10 m=55
